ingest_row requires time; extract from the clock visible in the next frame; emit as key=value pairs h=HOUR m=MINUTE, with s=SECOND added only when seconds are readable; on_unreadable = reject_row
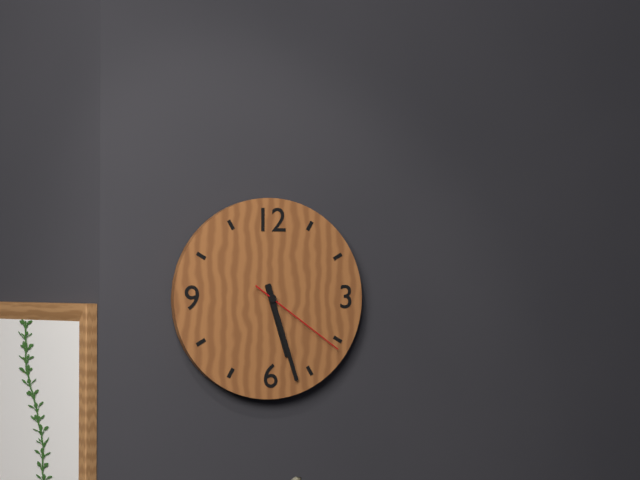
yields h=5 m=27 s=21
